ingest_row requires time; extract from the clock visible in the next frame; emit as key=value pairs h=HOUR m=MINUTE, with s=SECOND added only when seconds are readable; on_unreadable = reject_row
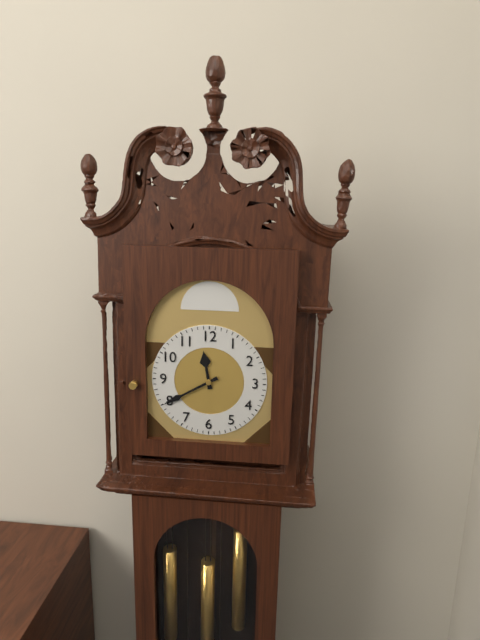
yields h=11 m=40
